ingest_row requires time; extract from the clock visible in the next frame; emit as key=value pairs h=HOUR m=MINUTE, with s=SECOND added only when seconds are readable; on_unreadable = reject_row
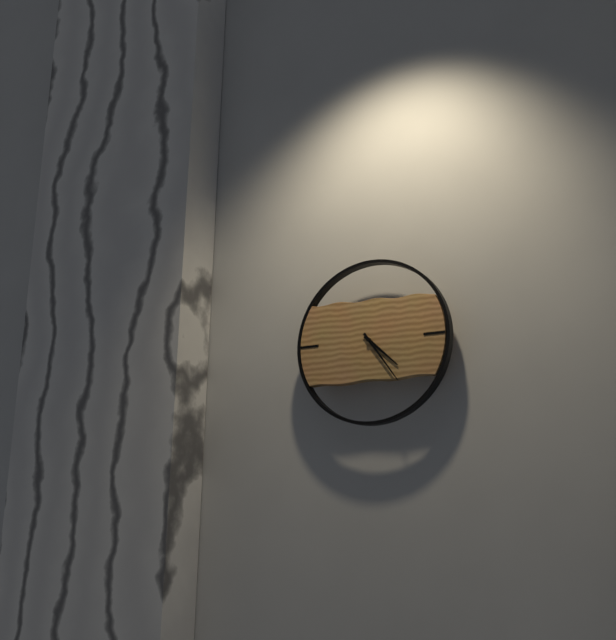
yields h=4 m=24
